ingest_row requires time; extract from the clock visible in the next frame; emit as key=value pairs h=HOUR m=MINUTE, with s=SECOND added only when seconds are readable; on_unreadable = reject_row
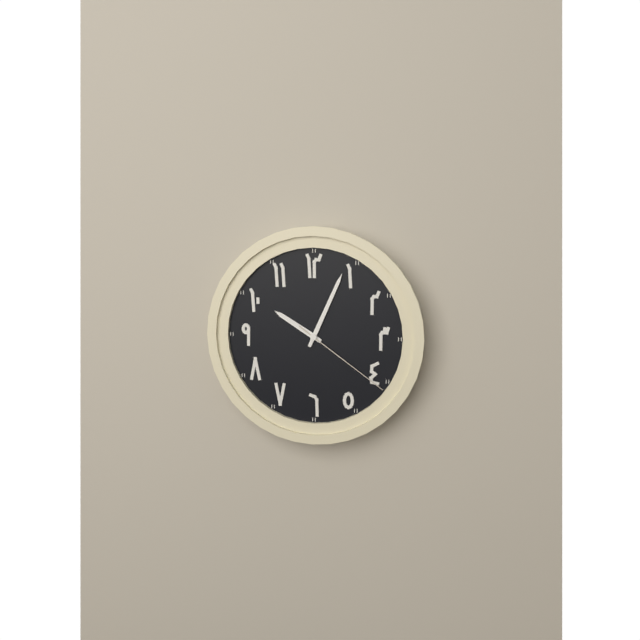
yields h=10 m=4 s=21
